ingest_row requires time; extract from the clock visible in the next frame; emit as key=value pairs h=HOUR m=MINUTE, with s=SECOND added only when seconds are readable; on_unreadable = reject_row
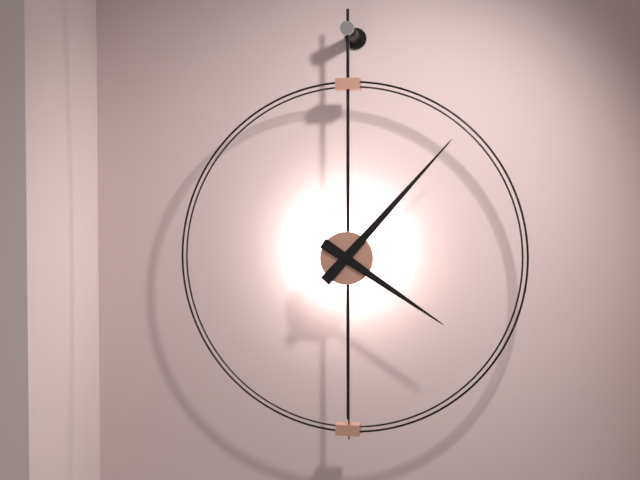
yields h=4 m=7
